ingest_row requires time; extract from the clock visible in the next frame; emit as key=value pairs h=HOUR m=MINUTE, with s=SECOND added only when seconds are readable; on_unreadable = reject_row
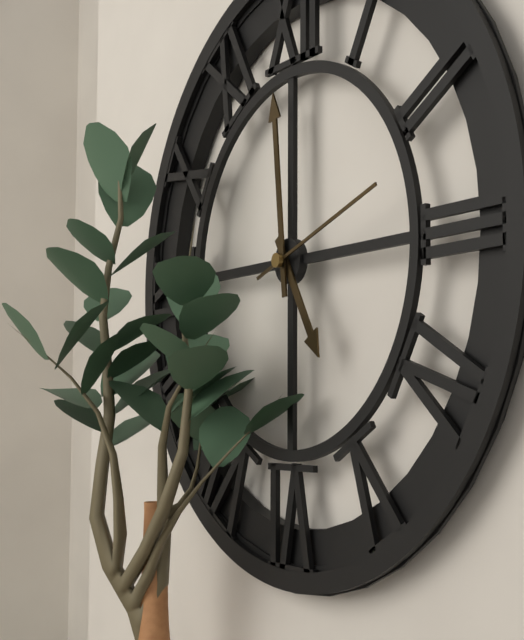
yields h=4 m=59 s=12
